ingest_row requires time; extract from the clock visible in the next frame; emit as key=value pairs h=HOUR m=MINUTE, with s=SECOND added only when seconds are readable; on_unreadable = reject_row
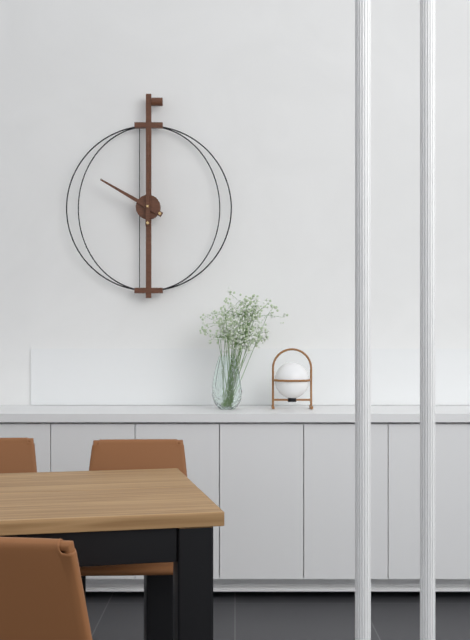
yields h=10 m=0
